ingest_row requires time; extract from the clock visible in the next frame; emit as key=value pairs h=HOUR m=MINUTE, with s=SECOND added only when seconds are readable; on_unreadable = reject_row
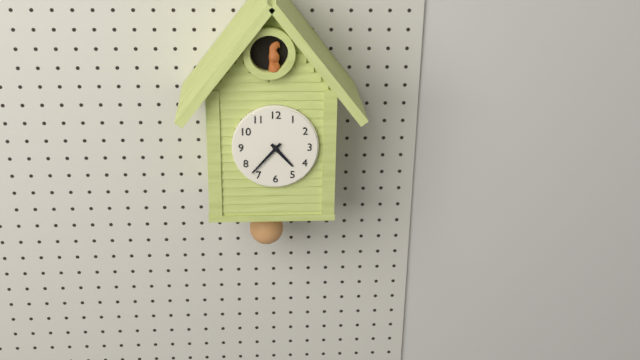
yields h=4 m=37
